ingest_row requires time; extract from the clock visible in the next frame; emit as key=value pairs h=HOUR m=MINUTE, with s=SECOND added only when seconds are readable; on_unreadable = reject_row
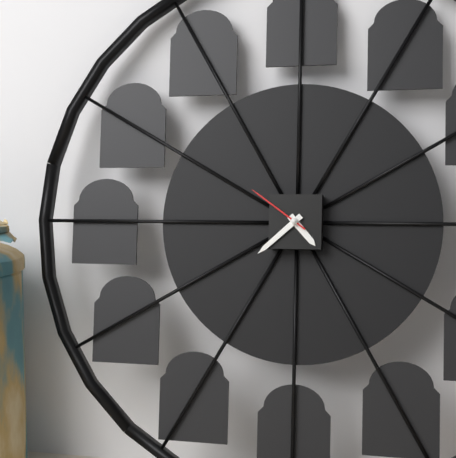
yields h=4 m=38 s=51
